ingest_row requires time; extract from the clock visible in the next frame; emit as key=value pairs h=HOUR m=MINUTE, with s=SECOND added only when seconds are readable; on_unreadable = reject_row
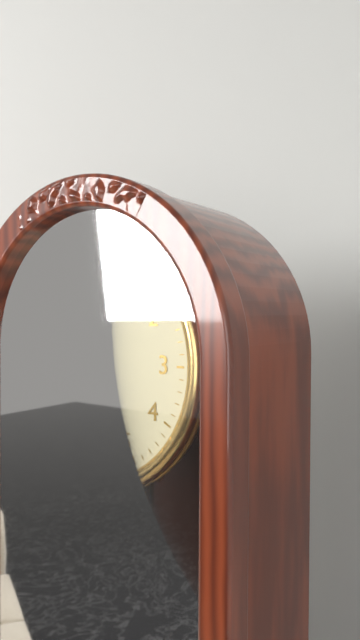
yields h=10 m=48
